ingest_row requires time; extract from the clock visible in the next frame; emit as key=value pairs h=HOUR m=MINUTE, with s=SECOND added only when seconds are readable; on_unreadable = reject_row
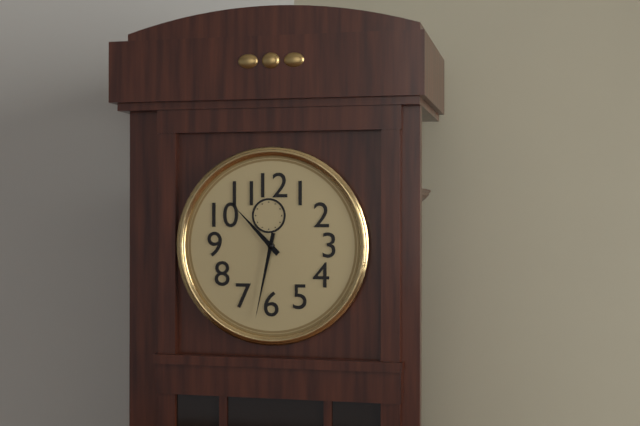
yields h=10 m=32
